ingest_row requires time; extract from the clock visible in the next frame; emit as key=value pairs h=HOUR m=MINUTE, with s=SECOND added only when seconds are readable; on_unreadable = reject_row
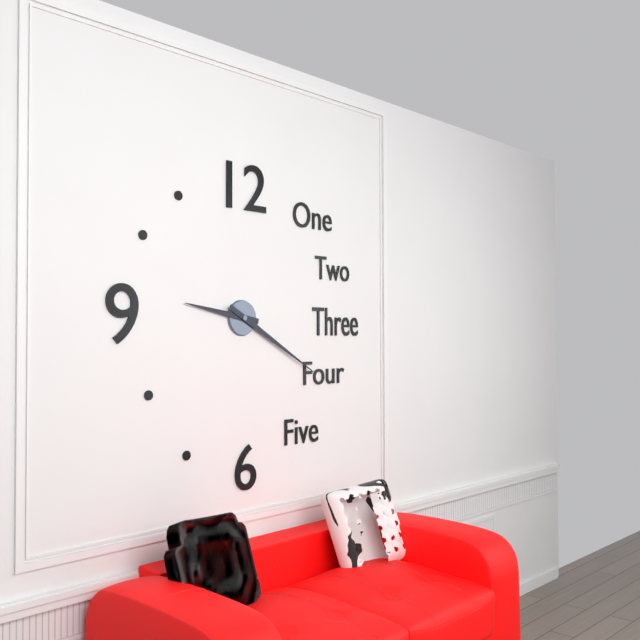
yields h=9 m=20
